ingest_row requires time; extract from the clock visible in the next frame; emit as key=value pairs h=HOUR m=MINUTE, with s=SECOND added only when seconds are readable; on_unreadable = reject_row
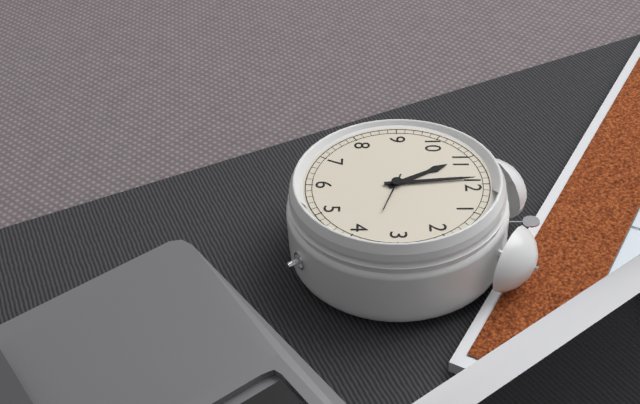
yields h=10 m=59
